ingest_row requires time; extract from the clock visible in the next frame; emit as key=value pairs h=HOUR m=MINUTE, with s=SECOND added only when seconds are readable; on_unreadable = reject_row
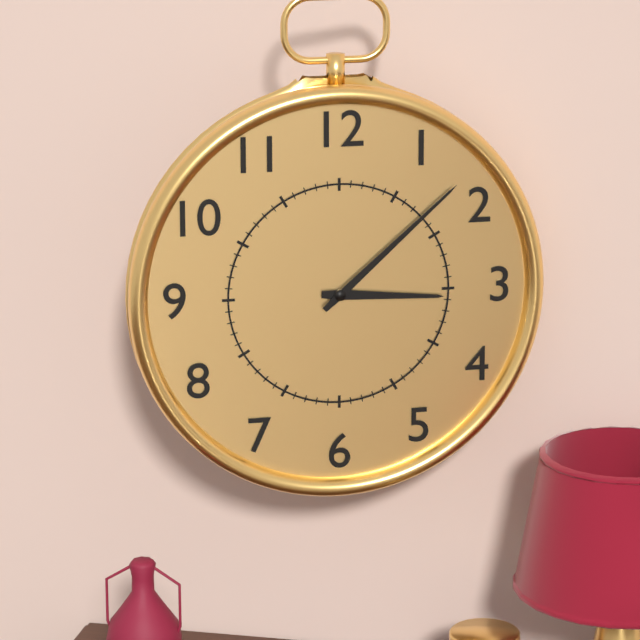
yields h=3 m=8
